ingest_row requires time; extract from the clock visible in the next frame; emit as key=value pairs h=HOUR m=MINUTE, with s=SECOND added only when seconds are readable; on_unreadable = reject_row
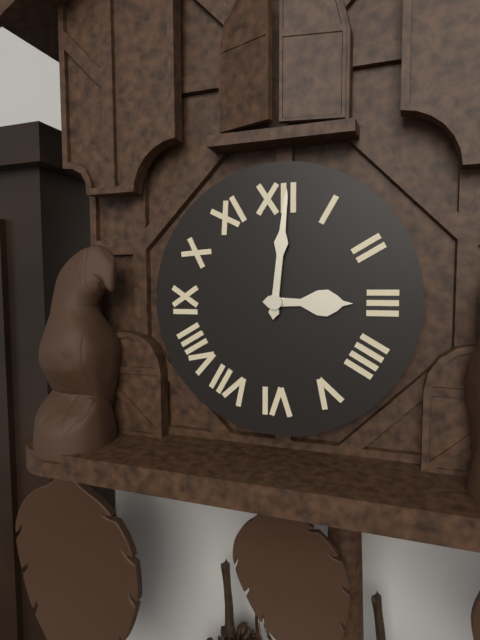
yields h=3 m=1
